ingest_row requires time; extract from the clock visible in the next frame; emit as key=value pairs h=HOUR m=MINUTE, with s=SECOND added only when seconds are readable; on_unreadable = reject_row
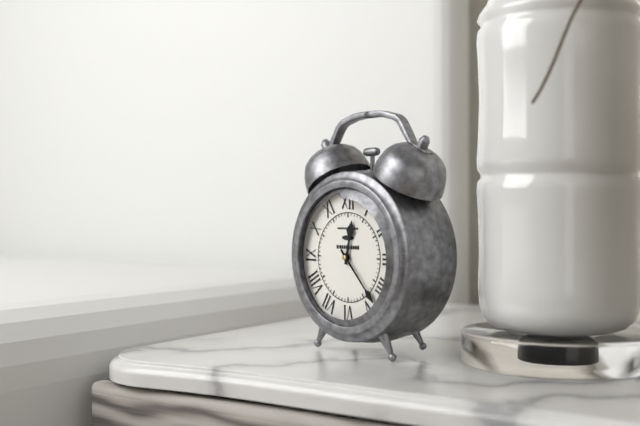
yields h=12 m=23
